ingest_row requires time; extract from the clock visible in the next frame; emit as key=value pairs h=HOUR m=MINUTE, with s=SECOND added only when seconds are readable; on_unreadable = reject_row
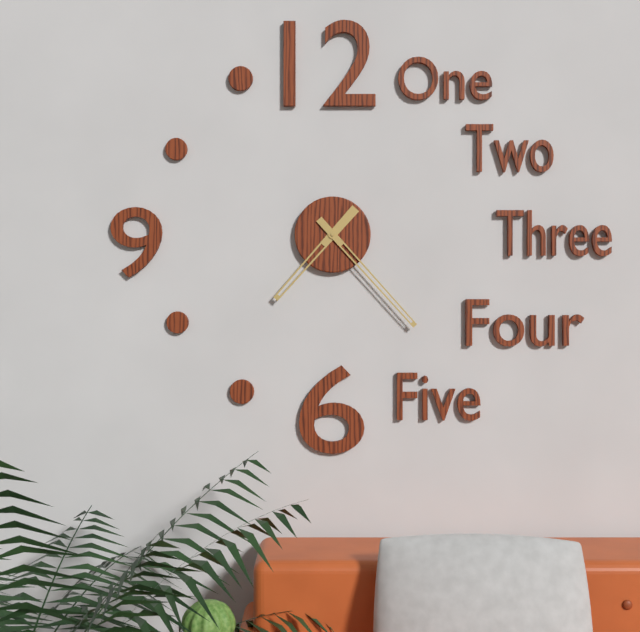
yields h=7 m=23
